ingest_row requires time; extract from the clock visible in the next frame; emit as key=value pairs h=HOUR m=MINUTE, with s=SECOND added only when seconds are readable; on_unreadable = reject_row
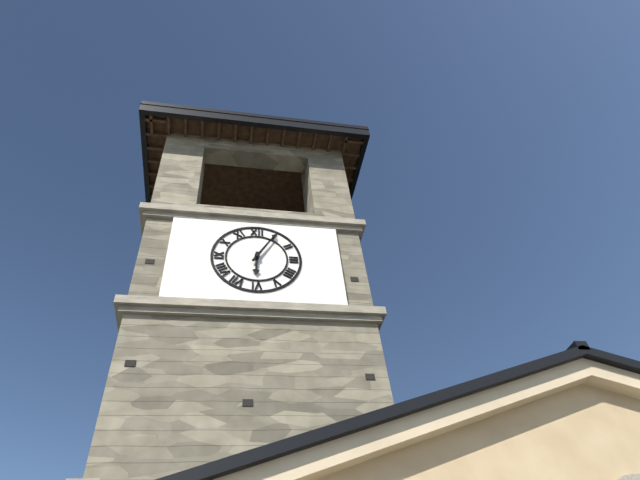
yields h=6 m=5
